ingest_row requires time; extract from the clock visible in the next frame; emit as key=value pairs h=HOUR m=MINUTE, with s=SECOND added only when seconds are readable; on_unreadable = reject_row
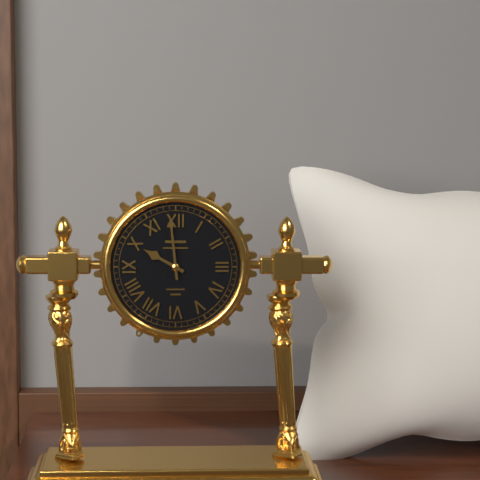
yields h=9 m=59
